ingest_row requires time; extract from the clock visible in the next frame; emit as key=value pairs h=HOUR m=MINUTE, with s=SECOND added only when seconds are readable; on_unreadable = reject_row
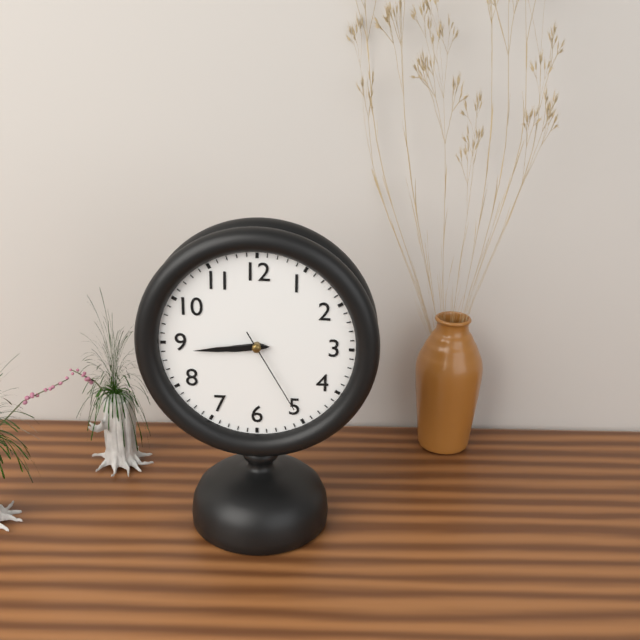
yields h=8 m=44 s=25
